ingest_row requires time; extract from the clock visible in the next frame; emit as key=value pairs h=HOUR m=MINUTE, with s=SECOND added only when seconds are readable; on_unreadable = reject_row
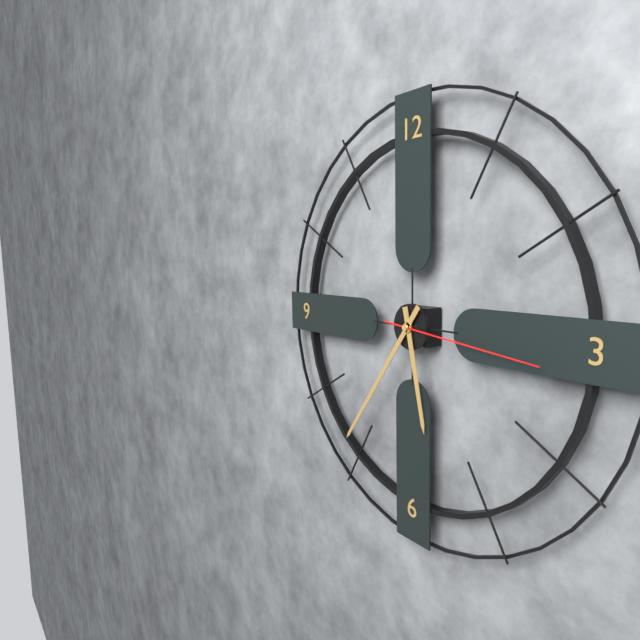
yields h=5 m=36 s=16
